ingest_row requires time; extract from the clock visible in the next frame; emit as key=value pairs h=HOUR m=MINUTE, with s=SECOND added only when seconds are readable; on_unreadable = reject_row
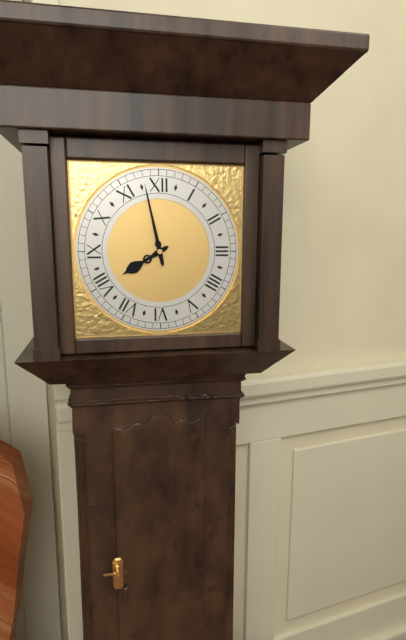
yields h=7 m=58
